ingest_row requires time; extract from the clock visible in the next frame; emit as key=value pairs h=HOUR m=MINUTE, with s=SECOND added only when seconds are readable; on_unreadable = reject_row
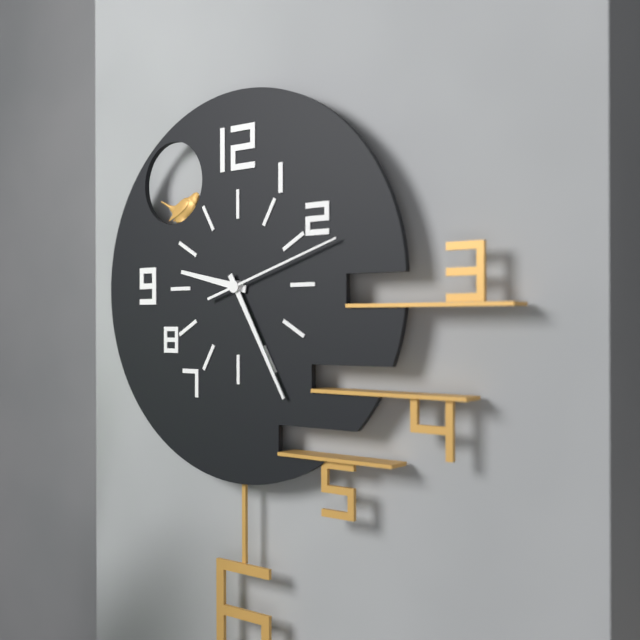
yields h=9 m=25 s=12
